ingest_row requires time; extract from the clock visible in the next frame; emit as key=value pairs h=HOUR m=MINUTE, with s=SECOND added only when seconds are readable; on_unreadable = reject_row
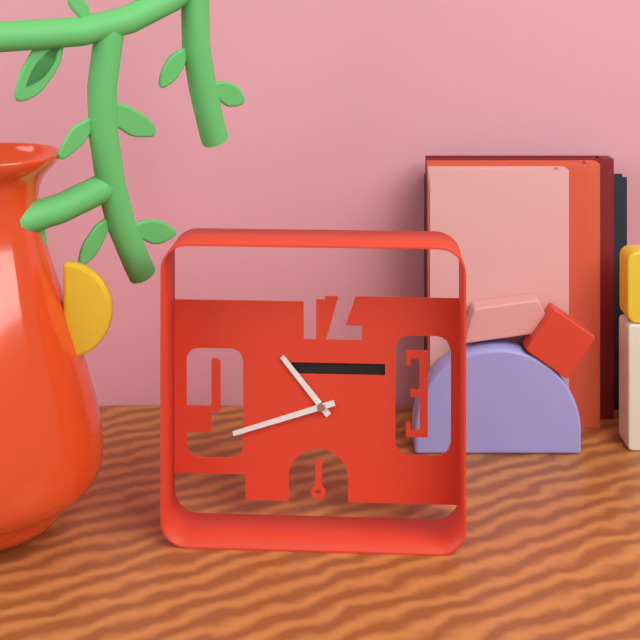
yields h=10 m=42
